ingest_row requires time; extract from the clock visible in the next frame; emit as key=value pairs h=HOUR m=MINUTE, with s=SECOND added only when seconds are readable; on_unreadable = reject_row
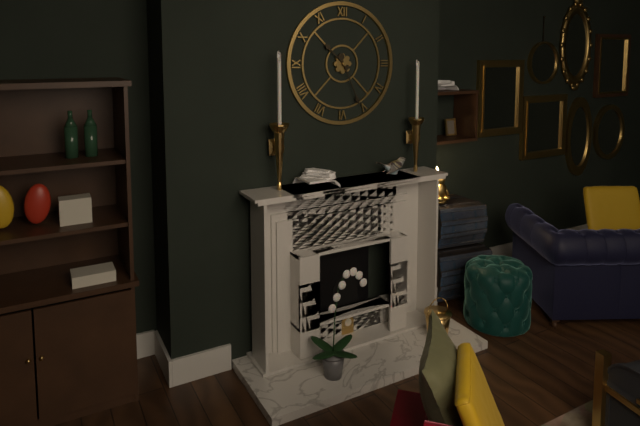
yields h=10 m=26
